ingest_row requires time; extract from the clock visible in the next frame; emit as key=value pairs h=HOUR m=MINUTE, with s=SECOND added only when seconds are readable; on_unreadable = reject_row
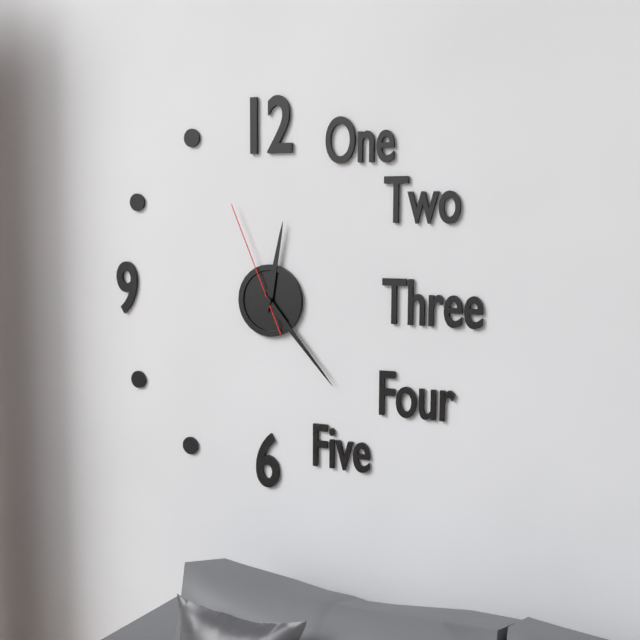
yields h=12 m=23 s=56
